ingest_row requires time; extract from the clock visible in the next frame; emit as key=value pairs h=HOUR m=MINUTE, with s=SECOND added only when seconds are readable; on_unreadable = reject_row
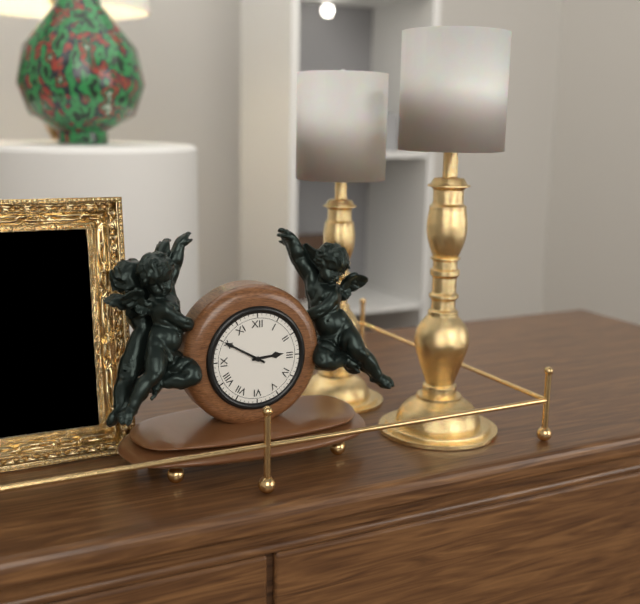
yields h=2 m=50
